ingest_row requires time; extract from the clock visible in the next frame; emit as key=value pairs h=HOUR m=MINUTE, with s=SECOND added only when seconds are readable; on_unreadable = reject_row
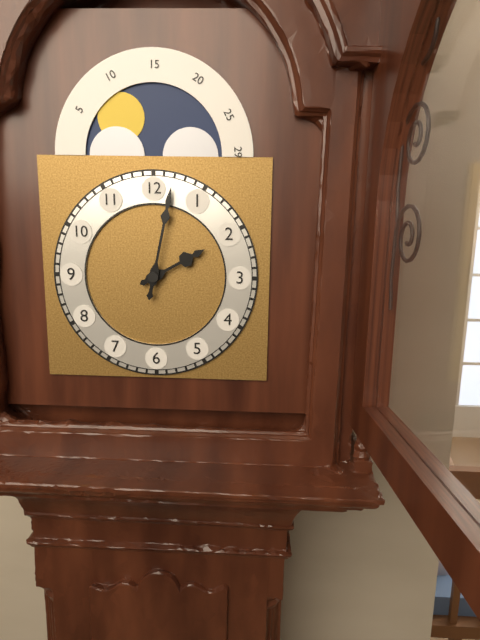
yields h=2 m=2
